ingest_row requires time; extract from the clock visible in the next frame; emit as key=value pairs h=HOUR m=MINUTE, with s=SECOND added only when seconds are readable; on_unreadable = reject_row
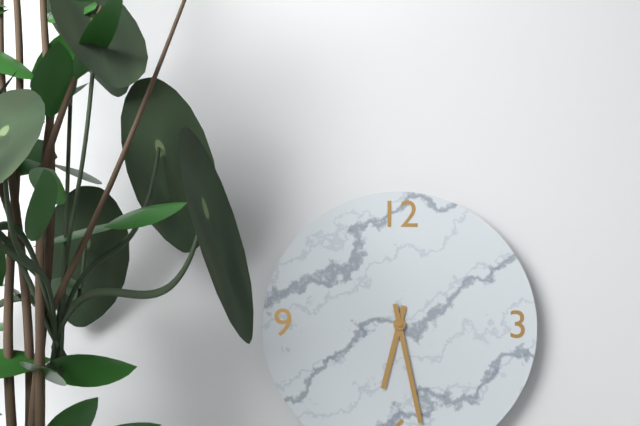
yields h=6 m=28
